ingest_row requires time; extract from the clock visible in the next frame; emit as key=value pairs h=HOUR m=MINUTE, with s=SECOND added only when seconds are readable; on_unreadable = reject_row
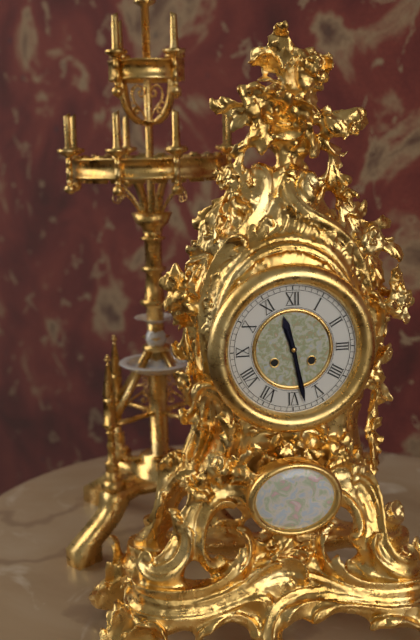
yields h=11 m=28
